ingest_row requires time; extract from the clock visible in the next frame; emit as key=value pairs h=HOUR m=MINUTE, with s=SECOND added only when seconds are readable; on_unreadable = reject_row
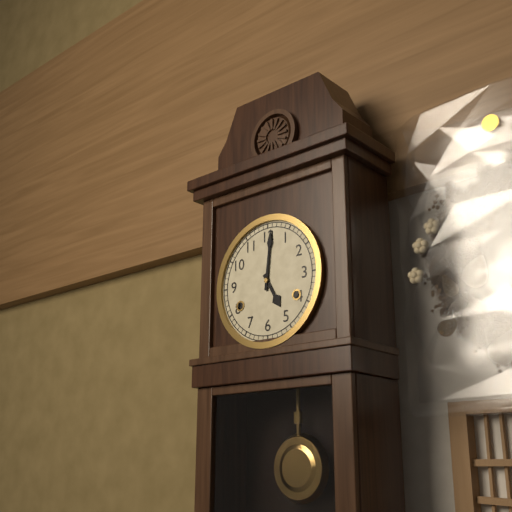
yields h=5 m=1
